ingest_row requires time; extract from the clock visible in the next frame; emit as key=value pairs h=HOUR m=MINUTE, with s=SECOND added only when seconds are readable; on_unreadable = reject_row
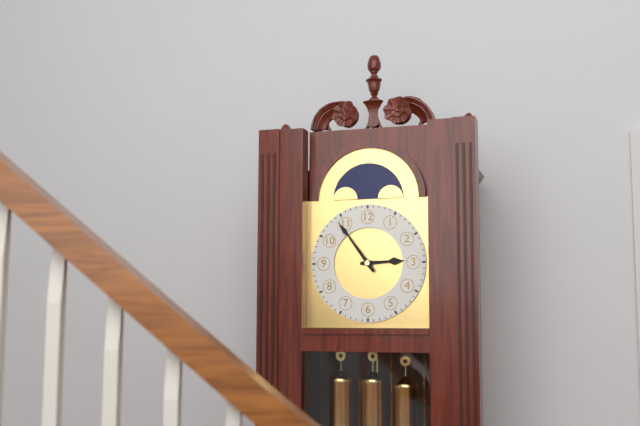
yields h=2 m=54
